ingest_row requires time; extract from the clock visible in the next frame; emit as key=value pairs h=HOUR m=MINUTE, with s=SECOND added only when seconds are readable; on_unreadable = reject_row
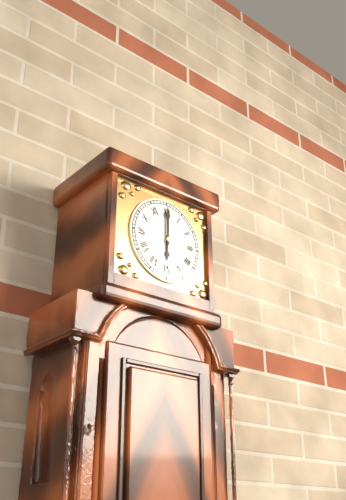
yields h=6 m=0
